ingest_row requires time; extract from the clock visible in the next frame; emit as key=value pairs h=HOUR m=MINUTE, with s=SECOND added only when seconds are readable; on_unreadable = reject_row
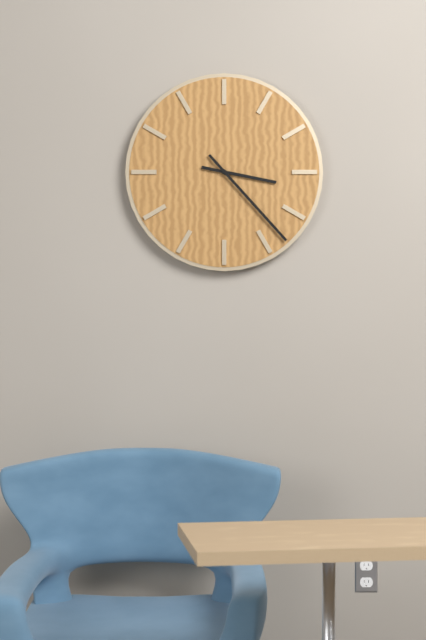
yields h=3 m=23
